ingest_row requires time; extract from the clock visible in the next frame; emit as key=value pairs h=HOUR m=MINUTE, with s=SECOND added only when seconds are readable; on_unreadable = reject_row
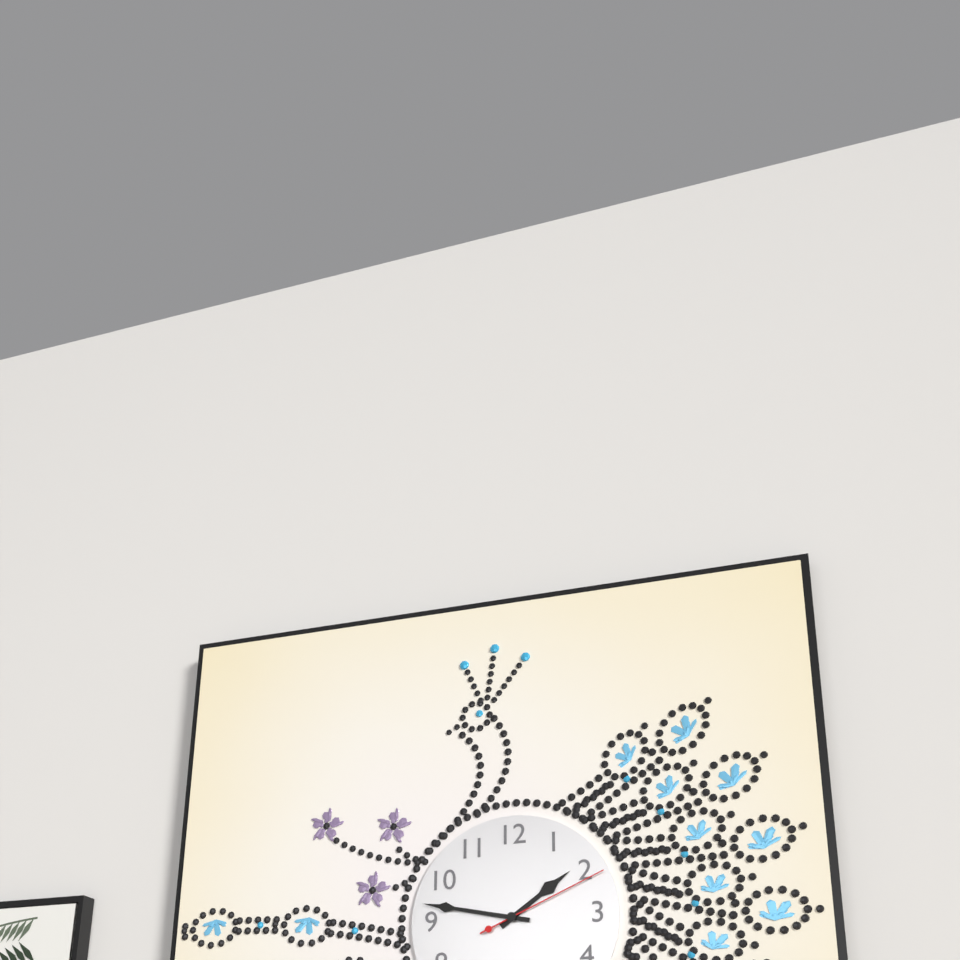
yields h=1 m=47 s=11
